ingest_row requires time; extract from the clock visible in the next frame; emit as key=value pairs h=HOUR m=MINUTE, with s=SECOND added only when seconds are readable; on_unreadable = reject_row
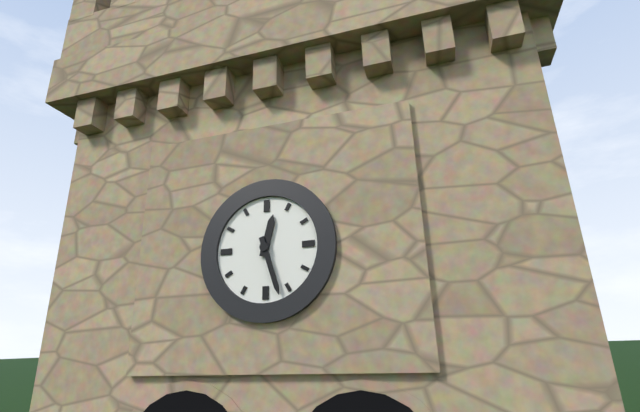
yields h=12 m=27
